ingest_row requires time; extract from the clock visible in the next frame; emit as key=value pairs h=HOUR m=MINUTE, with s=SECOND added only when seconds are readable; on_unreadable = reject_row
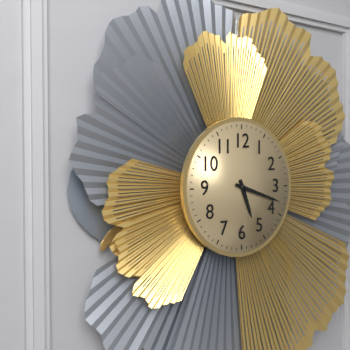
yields h=5 m=18
